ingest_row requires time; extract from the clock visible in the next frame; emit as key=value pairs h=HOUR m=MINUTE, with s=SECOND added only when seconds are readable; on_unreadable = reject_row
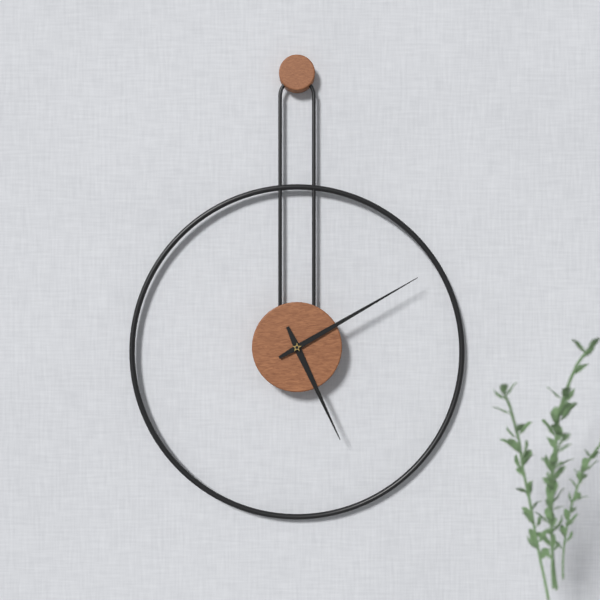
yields h=5 m=10
